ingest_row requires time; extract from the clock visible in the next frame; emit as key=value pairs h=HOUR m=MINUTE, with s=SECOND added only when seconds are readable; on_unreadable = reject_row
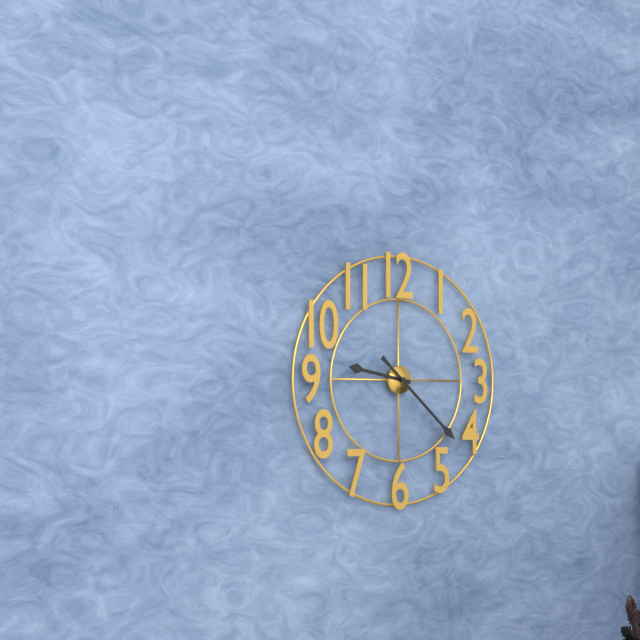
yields h=9 m=22
